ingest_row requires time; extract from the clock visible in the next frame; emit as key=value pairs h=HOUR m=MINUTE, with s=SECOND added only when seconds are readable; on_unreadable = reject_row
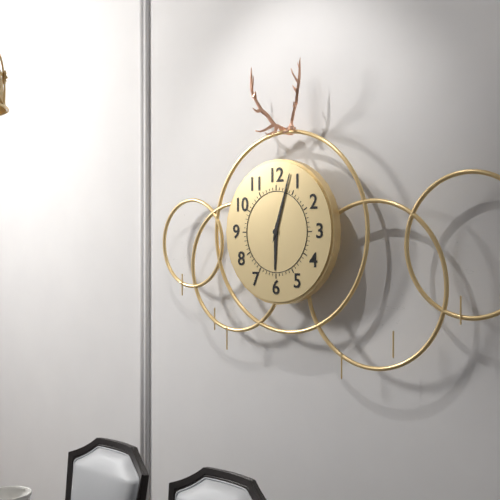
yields h=6 m=3
